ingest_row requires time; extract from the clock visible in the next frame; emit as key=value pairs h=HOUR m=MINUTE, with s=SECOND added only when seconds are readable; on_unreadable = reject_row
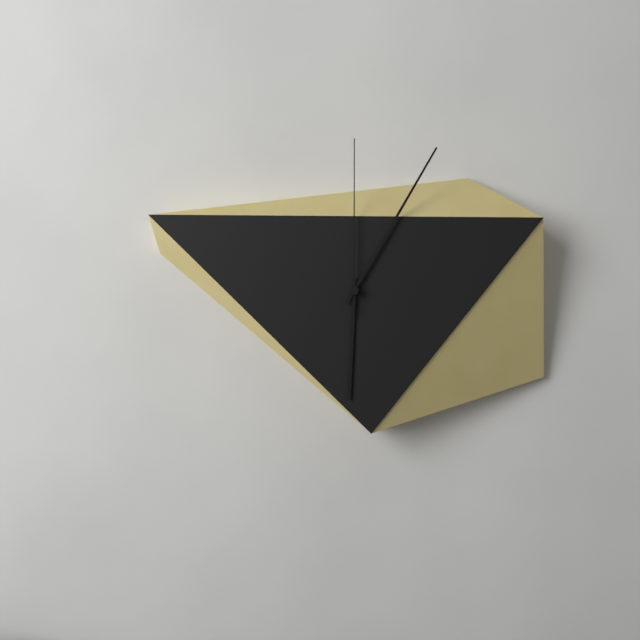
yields h=6 m=5 s=0
